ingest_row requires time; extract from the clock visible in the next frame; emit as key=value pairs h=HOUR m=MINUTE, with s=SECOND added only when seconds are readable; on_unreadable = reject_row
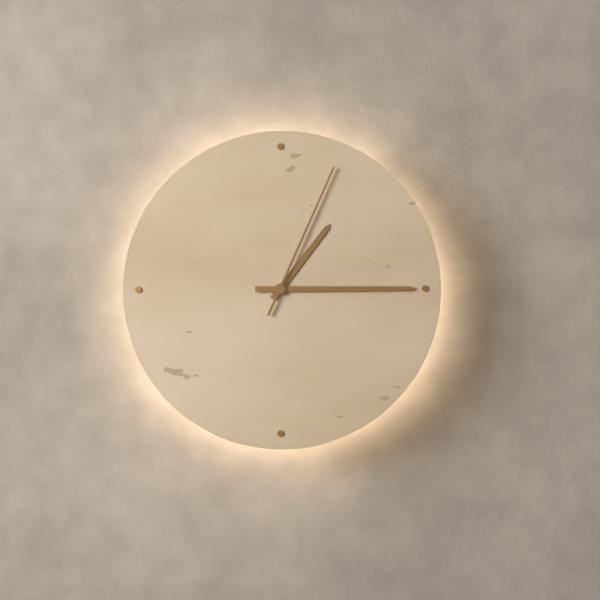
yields h=1 m=15 s=4
